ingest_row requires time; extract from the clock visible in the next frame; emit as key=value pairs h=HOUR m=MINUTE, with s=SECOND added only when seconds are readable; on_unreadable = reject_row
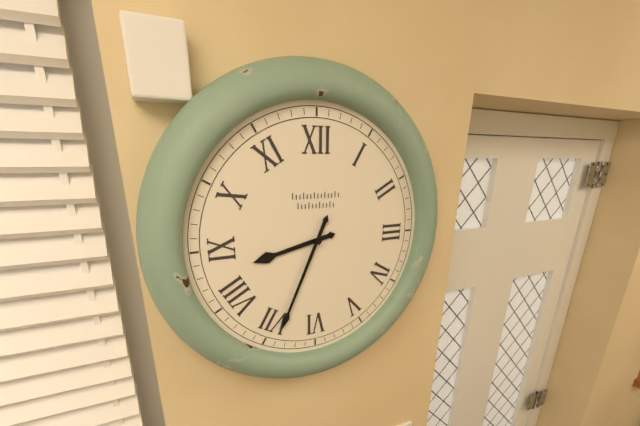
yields h=8 m=34
